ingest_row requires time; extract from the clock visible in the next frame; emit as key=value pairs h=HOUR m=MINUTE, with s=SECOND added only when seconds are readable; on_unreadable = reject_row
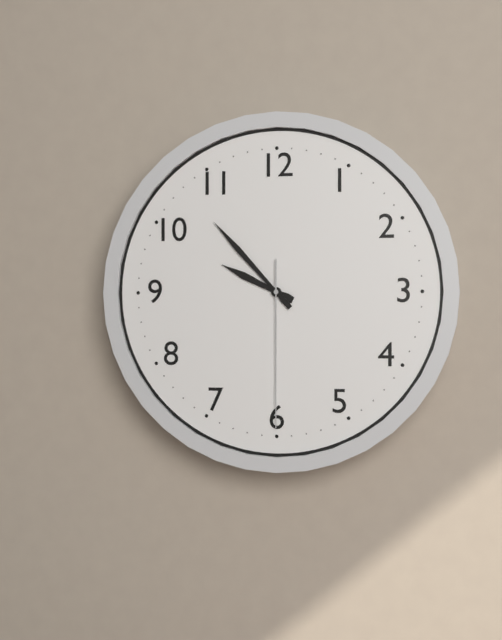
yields h=9 m=53 s=30
